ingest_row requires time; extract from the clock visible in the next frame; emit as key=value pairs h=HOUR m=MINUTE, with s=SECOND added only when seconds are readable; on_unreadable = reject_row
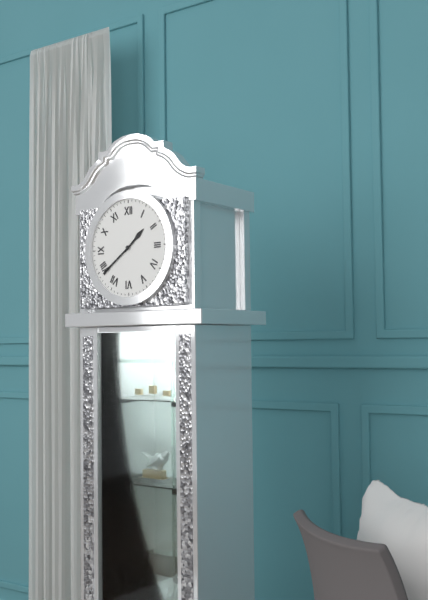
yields h=1 m=39
